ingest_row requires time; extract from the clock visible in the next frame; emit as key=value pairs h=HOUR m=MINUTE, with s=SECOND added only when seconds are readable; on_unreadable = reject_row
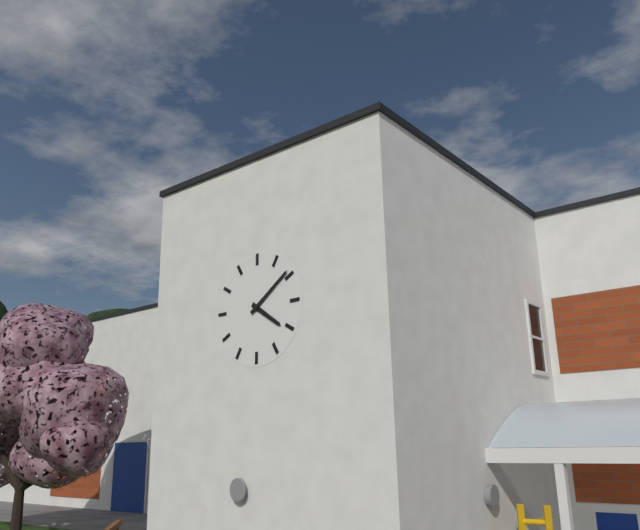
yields h=4 m=9
